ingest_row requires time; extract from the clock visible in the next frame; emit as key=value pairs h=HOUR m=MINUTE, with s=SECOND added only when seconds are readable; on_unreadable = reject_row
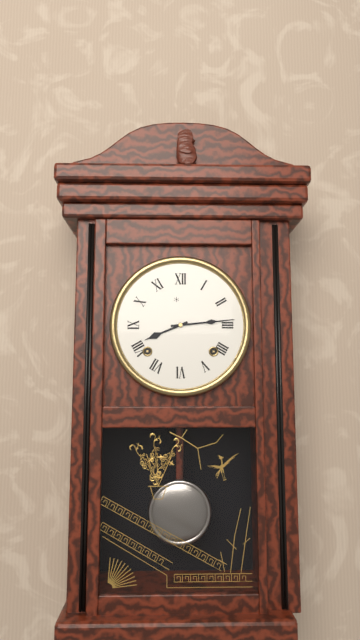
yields h=8 m=14
